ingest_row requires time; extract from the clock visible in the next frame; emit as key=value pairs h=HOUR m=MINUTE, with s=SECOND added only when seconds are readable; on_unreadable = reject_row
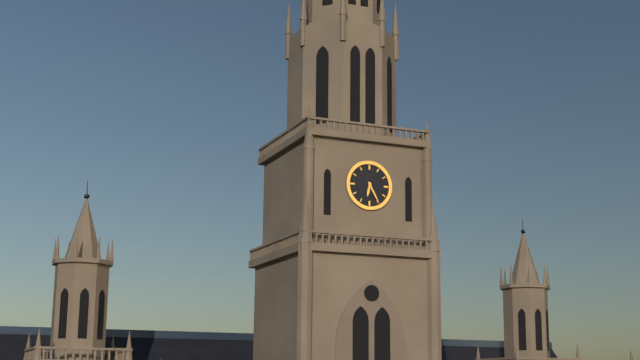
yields h=6 m=25
